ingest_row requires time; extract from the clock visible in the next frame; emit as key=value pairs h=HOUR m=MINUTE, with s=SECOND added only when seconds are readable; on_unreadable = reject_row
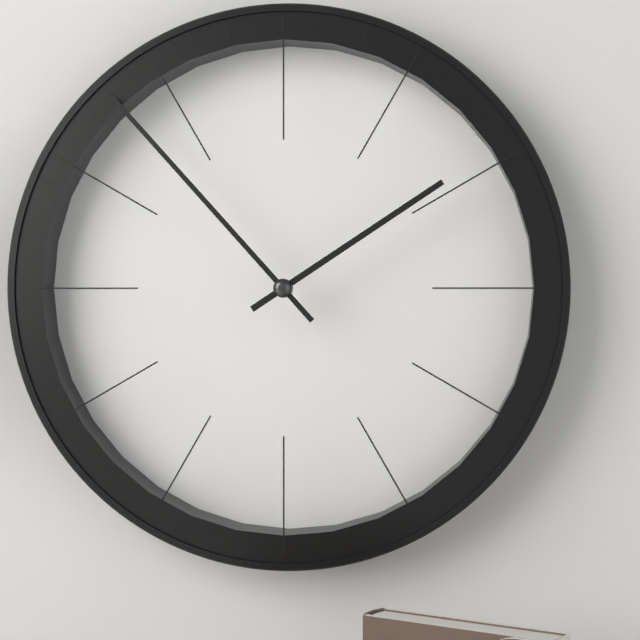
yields h=1 m=53
